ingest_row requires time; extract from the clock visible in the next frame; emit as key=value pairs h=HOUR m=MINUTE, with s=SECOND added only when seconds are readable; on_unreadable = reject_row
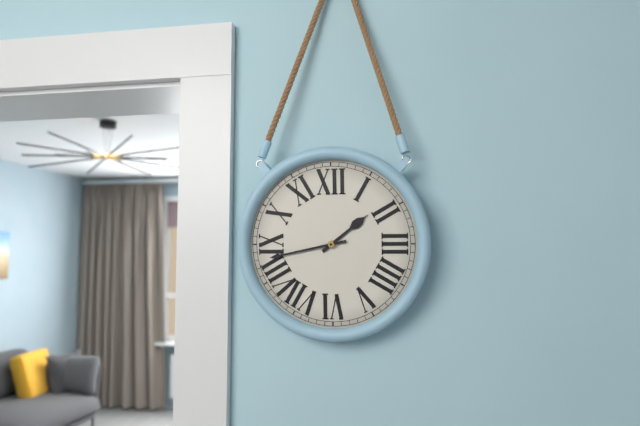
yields h=1 m=43
